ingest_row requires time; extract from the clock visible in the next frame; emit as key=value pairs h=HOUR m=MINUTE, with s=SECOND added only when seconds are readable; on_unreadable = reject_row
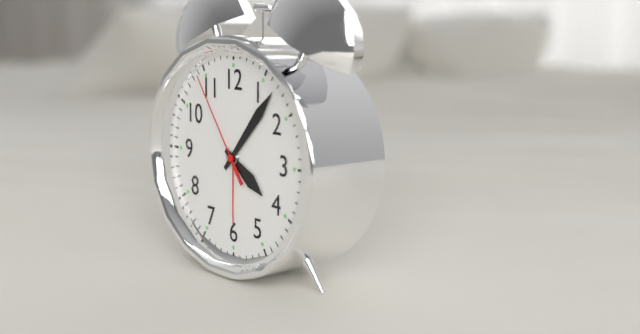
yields h=4 m=7 s=54
